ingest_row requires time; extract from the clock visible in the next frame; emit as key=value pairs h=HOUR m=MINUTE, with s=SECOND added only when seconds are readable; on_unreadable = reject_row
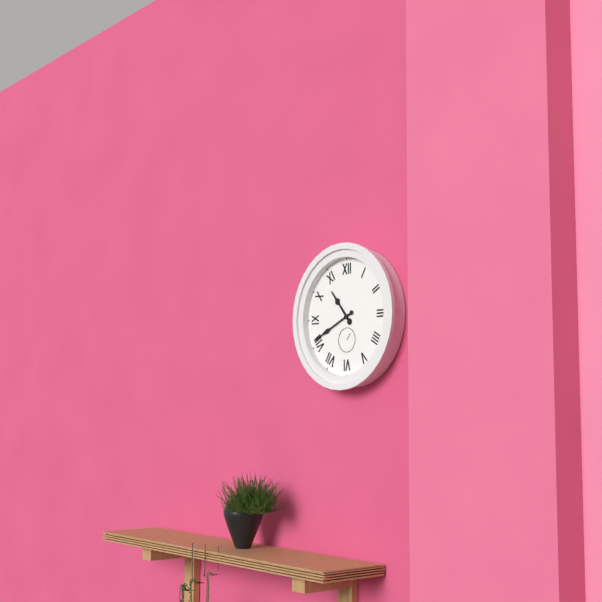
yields h=10 m=41
